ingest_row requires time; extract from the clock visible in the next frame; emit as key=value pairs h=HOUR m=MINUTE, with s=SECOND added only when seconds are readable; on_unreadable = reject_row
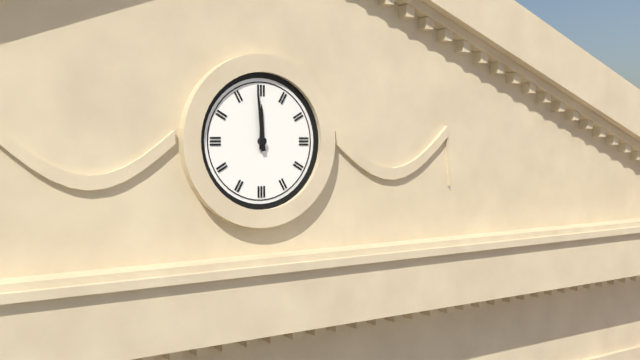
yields h=11 m=59
